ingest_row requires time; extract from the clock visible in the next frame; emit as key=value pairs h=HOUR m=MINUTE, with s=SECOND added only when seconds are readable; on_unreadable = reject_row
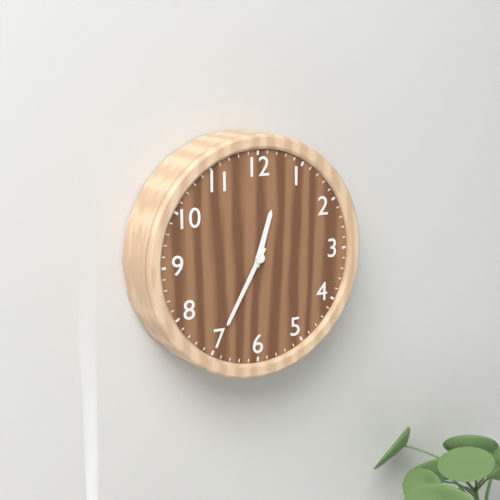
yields h=12 m=35
